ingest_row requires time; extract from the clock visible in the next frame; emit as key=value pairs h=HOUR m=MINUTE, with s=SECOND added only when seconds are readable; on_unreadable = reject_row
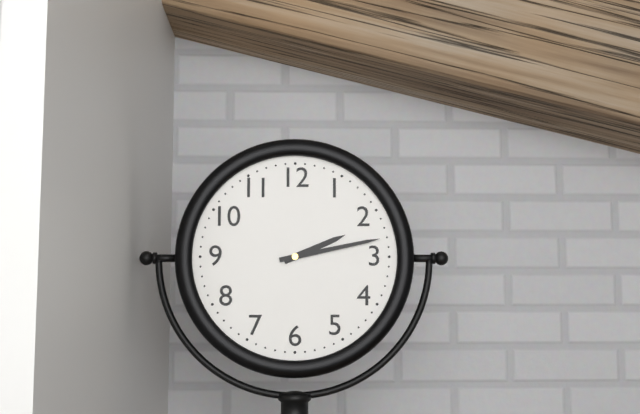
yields h=2 m=13
